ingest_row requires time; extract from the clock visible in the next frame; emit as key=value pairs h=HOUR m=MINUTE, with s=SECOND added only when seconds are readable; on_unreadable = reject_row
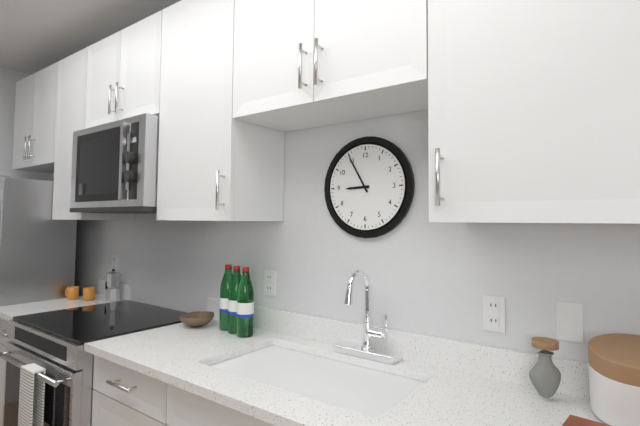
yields h=8 m=55
